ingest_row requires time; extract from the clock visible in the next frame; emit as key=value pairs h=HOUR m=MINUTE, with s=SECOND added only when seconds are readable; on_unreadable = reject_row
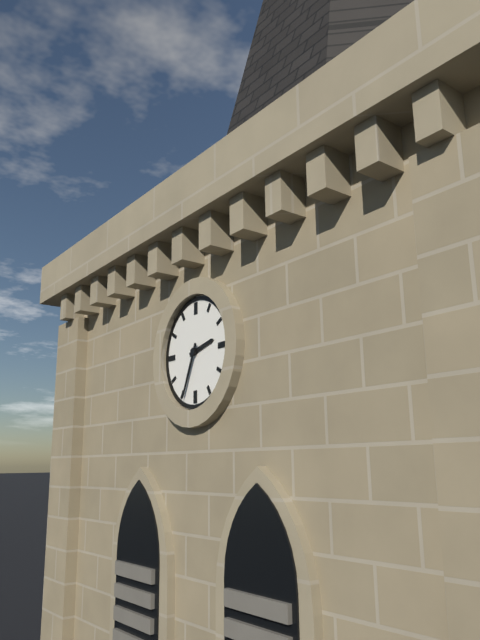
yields h=2 m=34
